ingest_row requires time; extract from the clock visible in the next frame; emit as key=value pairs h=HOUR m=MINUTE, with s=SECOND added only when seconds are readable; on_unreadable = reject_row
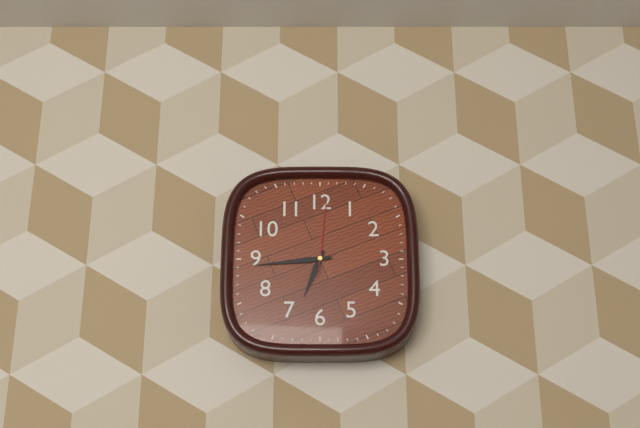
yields h=6 m=44 s=1
